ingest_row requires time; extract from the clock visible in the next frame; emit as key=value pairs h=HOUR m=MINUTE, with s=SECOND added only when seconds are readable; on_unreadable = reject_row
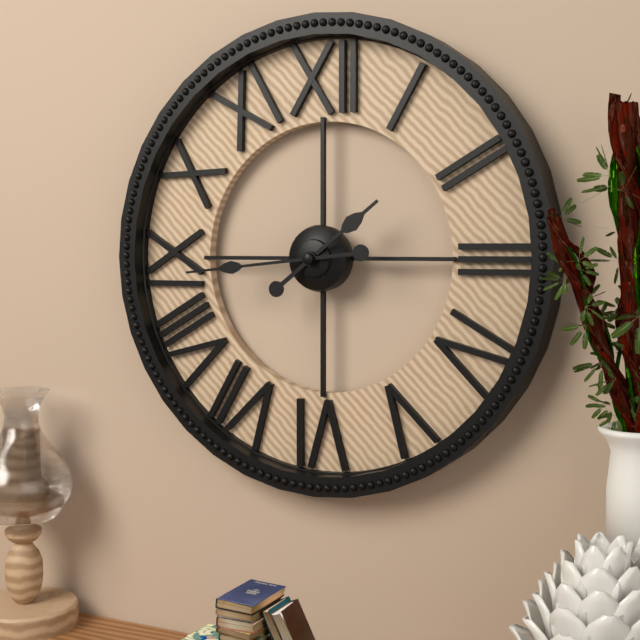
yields h=1 m=44
